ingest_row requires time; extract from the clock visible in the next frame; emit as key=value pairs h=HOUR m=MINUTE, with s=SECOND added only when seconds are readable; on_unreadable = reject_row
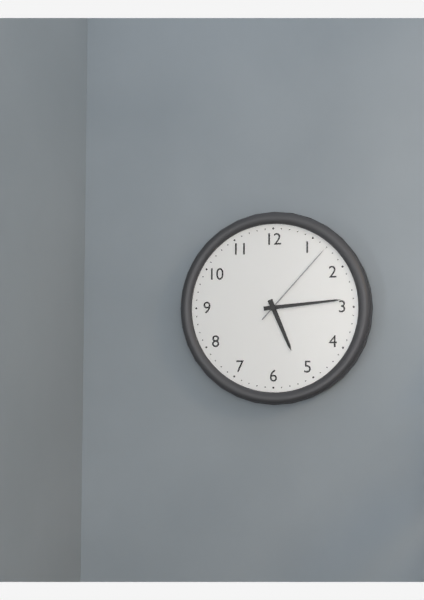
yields h=5 m=14 s=7
